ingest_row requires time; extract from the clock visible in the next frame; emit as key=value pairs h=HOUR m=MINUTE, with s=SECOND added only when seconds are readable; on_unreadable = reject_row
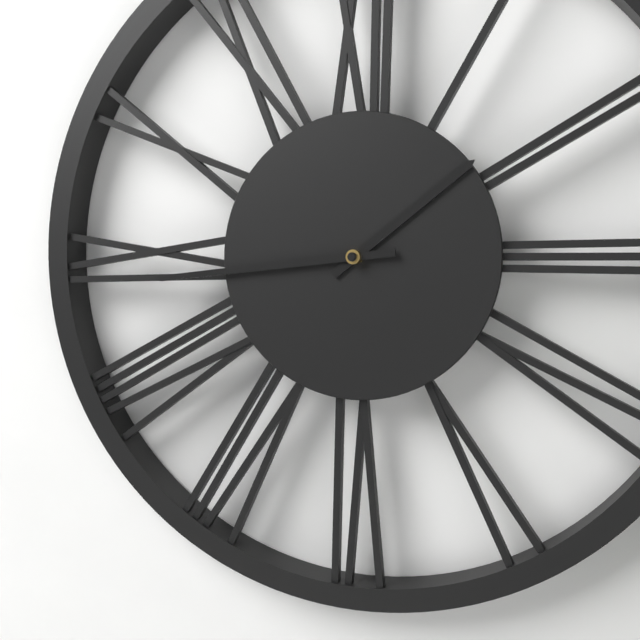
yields h=1 m=44
